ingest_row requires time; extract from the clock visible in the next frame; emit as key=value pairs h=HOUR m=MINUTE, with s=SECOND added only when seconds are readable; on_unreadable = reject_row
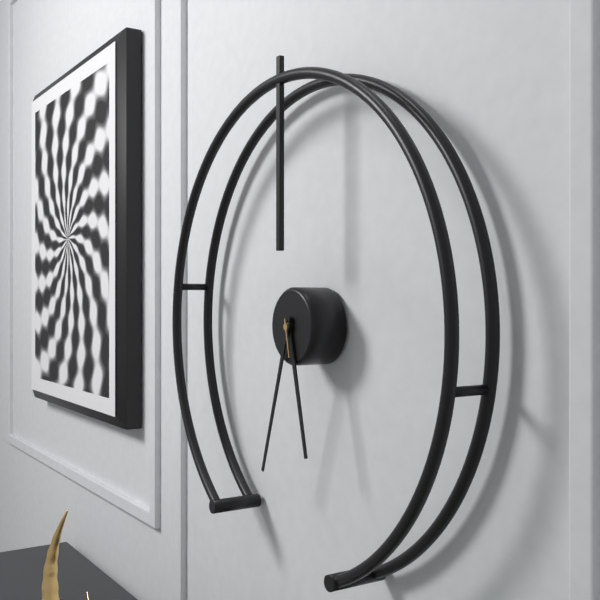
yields h=5 m=33
